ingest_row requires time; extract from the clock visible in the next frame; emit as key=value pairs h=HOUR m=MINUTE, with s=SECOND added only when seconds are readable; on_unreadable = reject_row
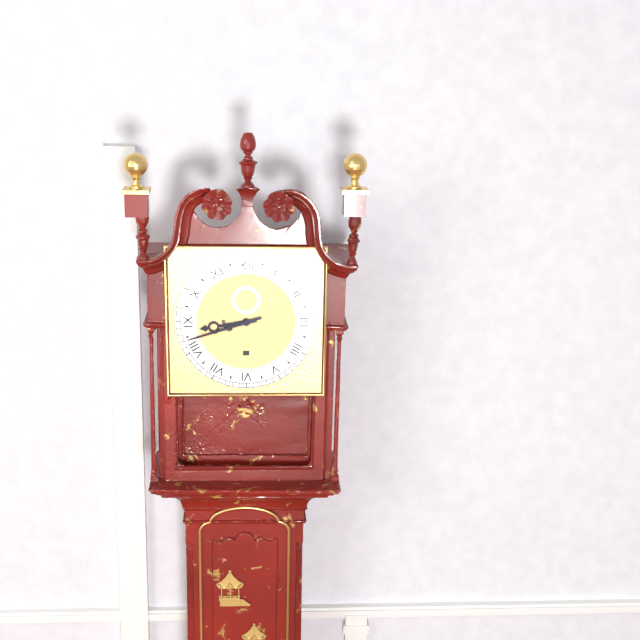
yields h=8 m=42
